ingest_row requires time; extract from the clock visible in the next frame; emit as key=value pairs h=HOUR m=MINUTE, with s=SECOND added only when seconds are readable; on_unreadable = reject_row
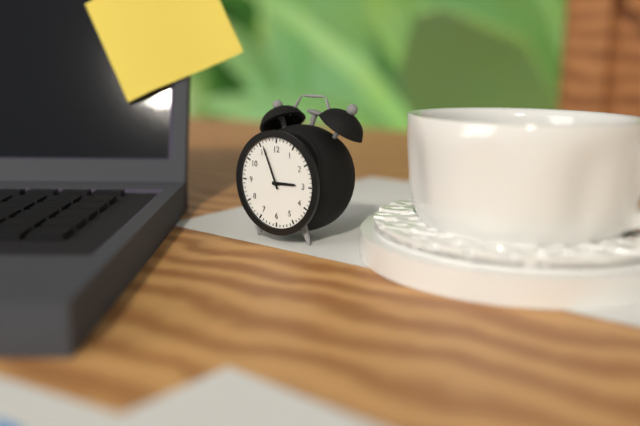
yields h=2 m=56
